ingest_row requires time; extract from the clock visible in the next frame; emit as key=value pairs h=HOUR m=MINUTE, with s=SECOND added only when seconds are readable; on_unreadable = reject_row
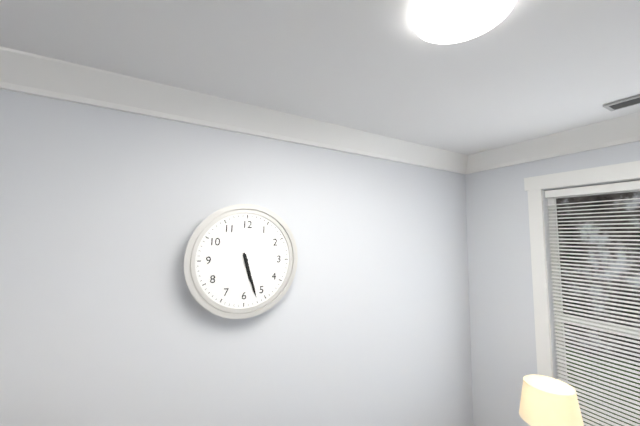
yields h=5 m=27
